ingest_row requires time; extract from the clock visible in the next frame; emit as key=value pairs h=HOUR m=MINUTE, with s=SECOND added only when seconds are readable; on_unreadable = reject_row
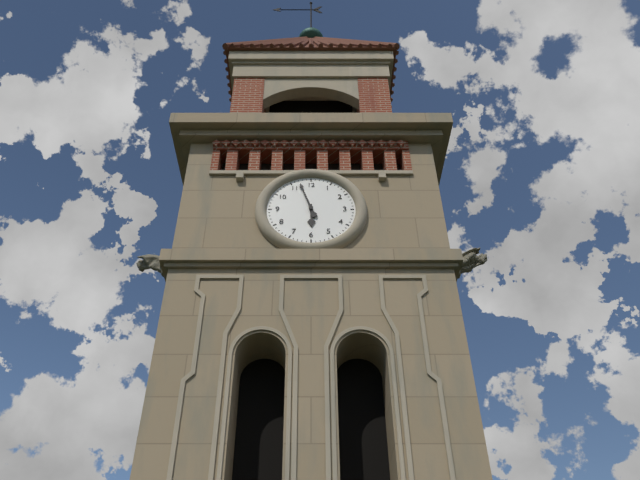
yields h=5 m=57
